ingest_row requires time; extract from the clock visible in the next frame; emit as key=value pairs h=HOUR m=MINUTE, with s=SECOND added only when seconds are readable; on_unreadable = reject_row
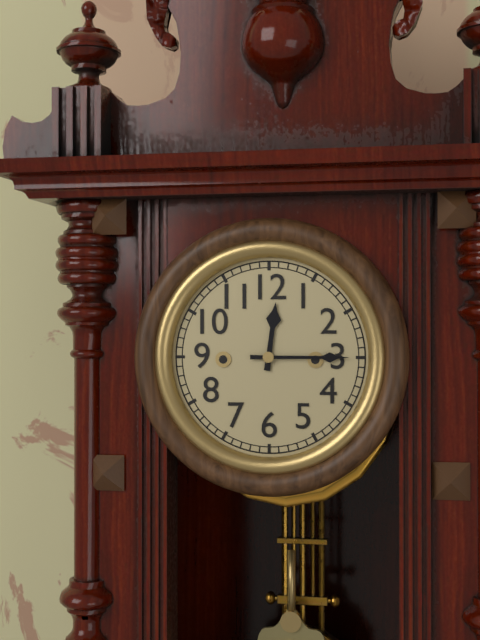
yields h=12 m=15
